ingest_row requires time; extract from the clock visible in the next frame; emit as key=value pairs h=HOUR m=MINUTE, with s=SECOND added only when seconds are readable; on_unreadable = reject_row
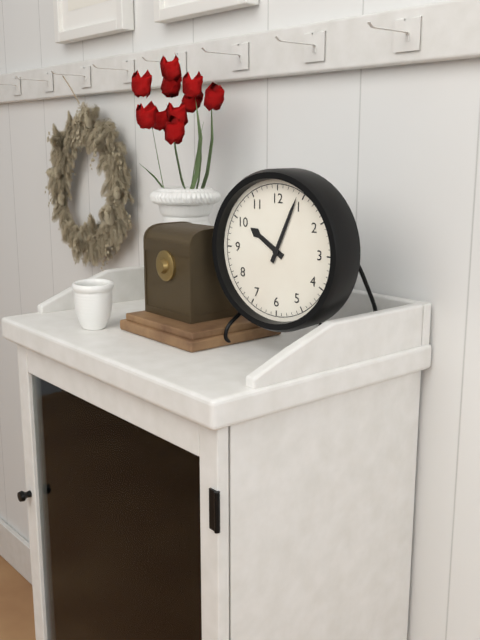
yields h=10 m=4
